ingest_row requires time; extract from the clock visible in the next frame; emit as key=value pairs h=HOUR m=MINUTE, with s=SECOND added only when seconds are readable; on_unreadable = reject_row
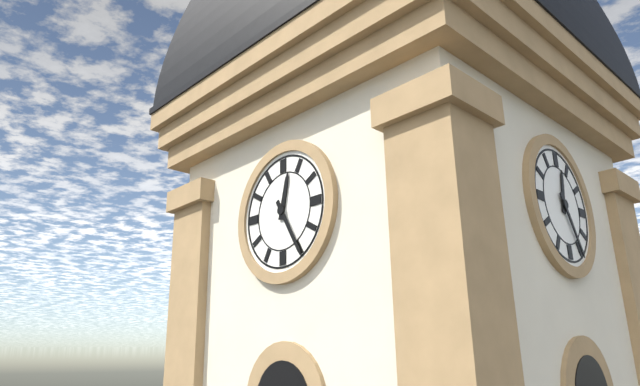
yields h=12 m=25
